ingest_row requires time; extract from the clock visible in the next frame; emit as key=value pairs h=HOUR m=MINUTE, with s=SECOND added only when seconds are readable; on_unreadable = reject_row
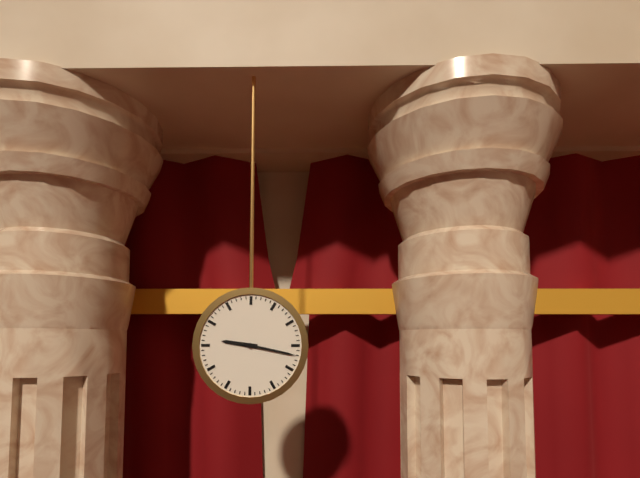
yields h=9 m=17
